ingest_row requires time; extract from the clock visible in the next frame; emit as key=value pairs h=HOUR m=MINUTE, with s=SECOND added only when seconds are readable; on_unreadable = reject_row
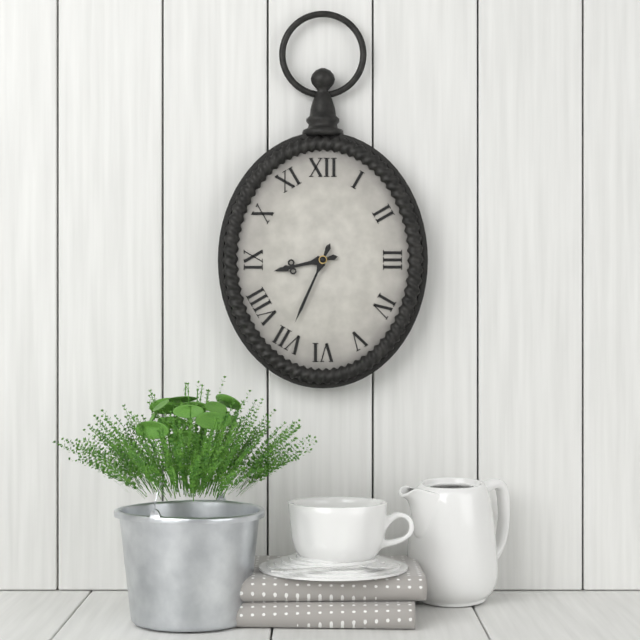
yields h=8 m=34
